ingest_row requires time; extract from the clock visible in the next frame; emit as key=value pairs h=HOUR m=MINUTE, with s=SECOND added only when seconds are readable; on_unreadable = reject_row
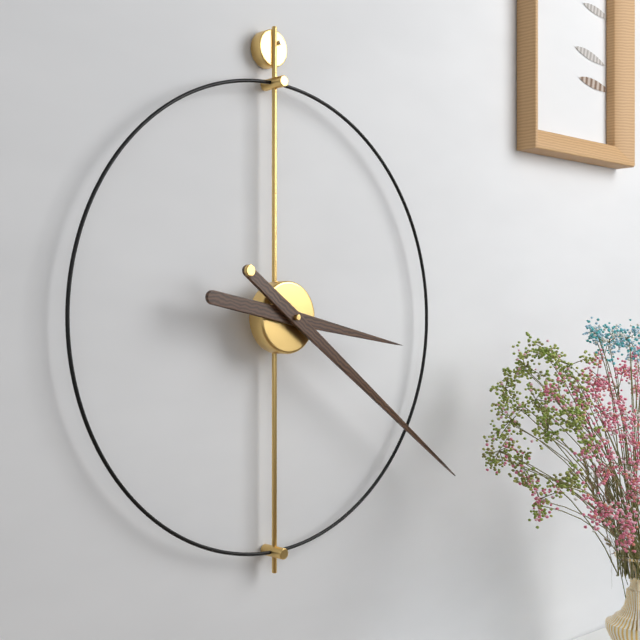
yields h=3 m=21
